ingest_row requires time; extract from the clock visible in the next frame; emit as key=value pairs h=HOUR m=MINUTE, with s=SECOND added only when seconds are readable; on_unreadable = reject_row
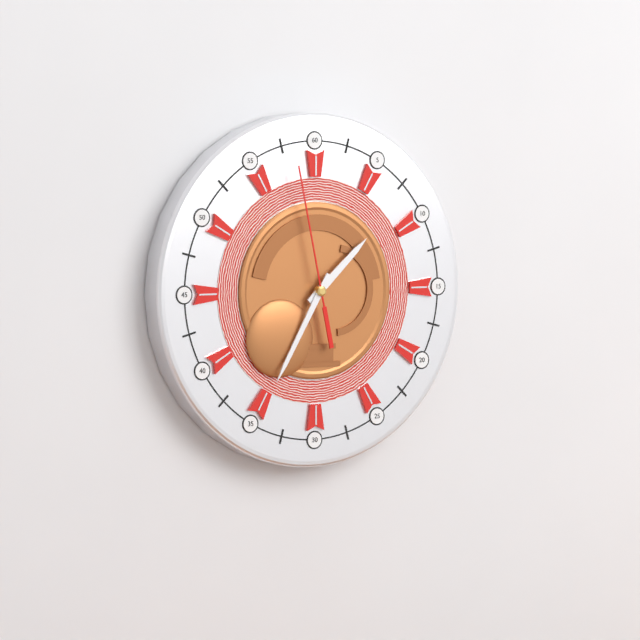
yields h=1 m=35 s=58
